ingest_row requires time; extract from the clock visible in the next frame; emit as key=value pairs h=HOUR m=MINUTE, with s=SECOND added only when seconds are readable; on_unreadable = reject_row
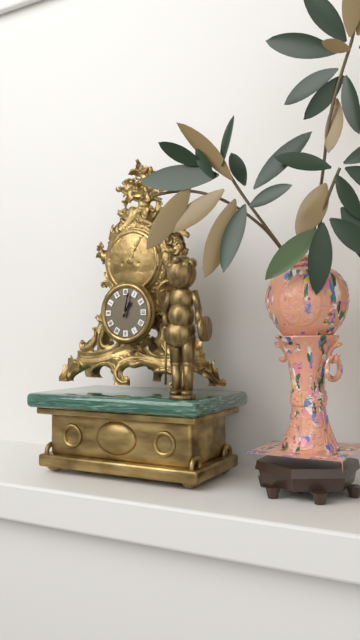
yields h=1 m=2
